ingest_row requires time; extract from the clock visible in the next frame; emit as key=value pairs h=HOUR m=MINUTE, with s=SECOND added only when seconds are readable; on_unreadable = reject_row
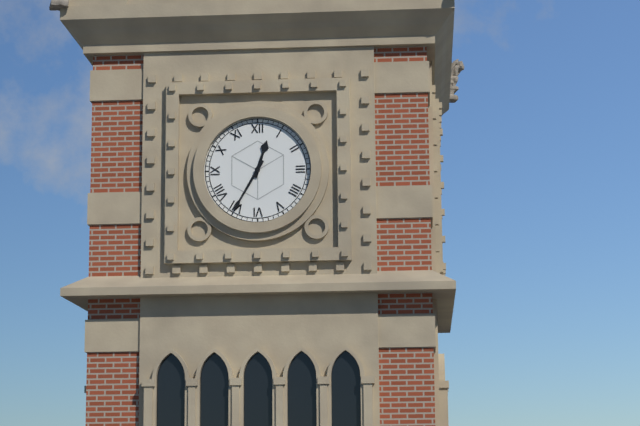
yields h=12 m=35
